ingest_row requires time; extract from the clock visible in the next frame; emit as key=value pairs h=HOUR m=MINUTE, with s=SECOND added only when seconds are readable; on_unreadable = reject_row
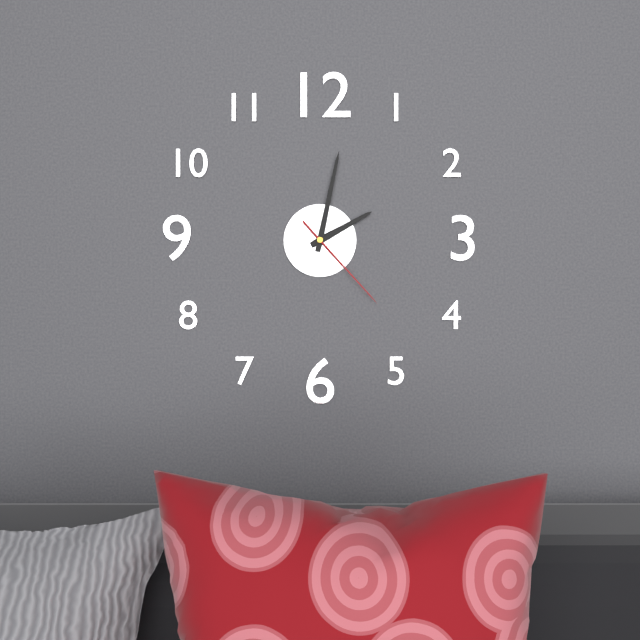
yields h=2 m=2 s=23
